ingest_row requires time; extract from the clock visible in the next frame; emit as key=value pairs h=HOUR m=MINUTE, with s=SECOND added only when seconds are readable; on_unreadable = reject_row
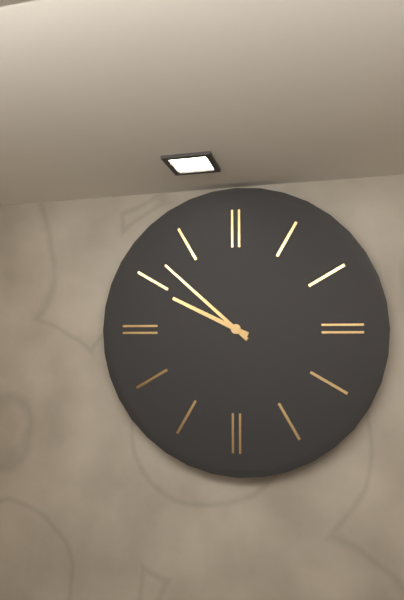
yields h=9 m=52
